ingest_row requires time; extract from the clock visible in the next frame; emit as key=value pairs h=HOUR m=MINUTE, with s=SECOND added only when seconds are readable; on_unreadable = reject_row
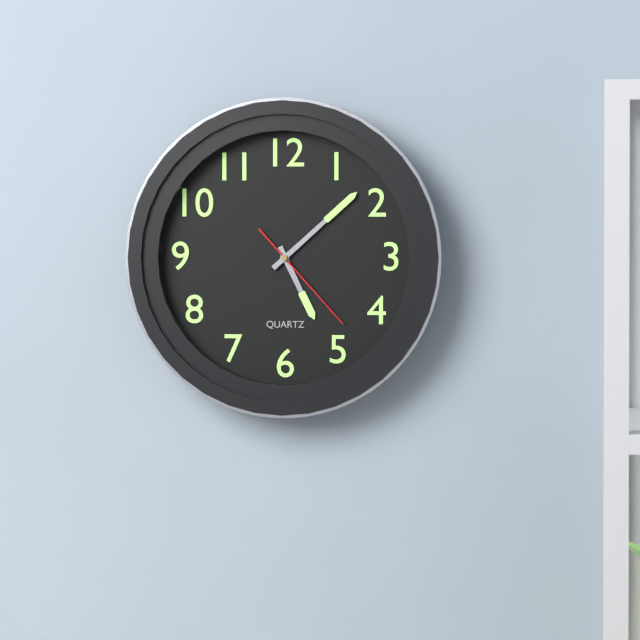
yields h=5 m=8 s=23
